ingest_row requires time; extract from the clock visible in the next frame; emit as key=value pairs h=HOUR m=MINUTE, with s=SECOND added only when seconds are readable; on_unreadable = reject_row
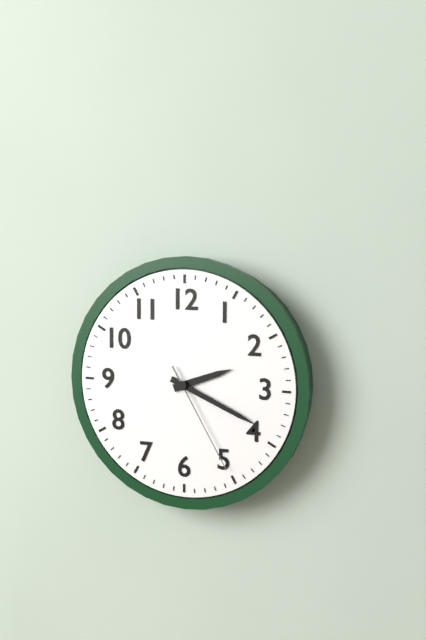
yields h=2 m=19 s=25
